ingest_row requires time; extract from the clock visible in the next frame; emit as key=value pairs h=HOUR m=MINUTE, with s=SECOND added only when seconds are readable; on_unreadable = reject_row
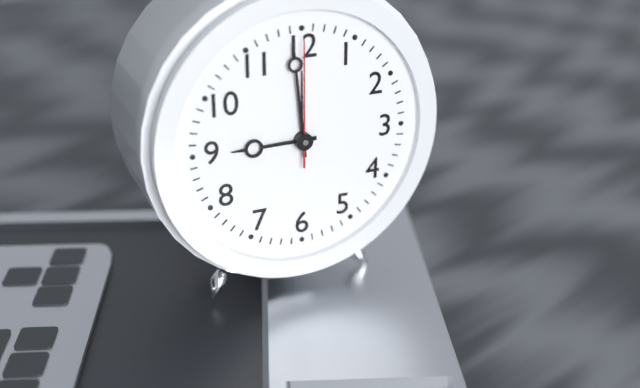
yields h=8 m=59 s=0
